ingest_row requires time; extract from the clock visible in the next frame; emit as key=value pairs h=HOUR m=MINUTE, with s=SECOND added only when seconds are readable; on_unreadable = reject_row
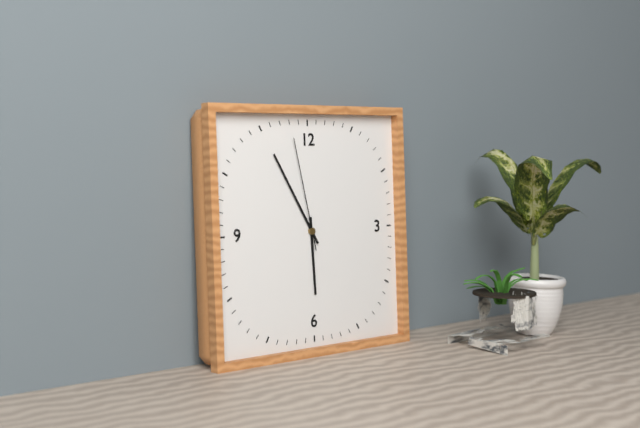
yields h=5 m=55 s=58
